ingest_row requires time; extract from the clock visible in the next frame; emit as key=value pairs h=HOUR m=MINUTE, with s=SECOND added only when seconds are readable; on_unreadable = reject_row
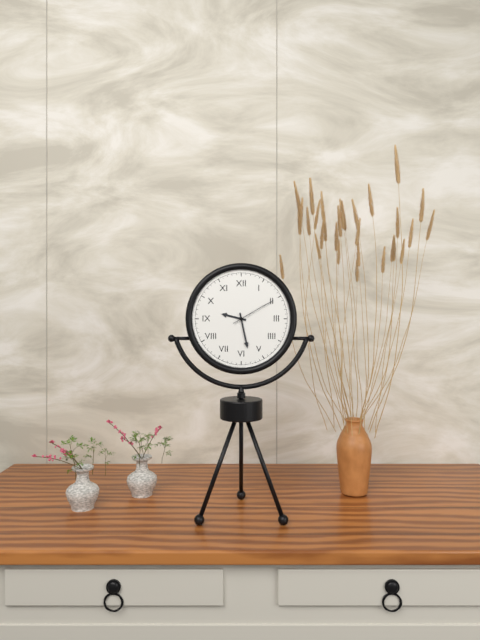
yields h=9 m=28
